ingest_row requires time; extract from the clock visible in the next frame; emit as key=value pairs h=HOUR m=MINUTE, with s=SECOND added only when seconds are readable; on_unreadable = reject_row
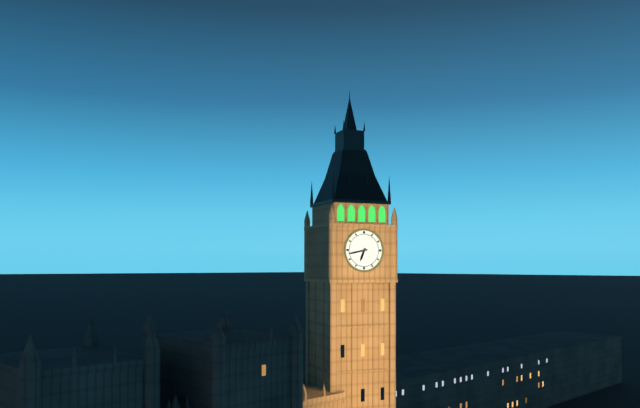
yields h=6 m=43
